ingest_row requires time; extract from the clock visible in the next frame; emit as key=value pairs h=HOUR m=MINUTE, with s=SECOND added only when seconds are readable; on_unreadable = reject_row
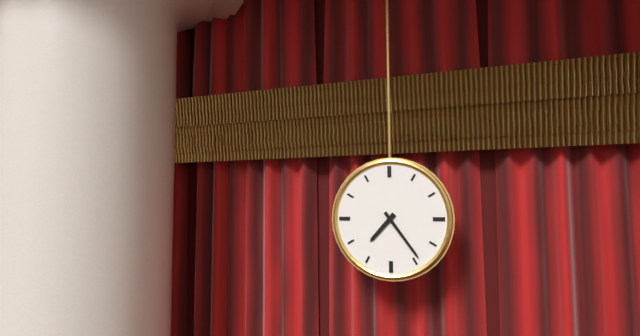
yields h=7 m=24
